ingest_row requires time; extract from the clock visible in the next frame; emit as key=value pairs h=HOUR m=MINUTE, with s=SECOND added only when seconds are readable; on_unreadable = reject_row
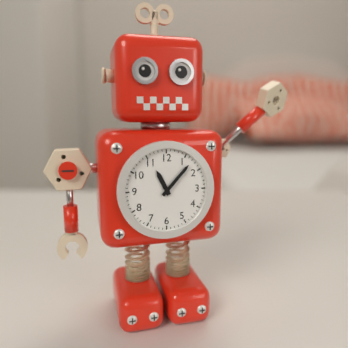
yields h=11 m=7
